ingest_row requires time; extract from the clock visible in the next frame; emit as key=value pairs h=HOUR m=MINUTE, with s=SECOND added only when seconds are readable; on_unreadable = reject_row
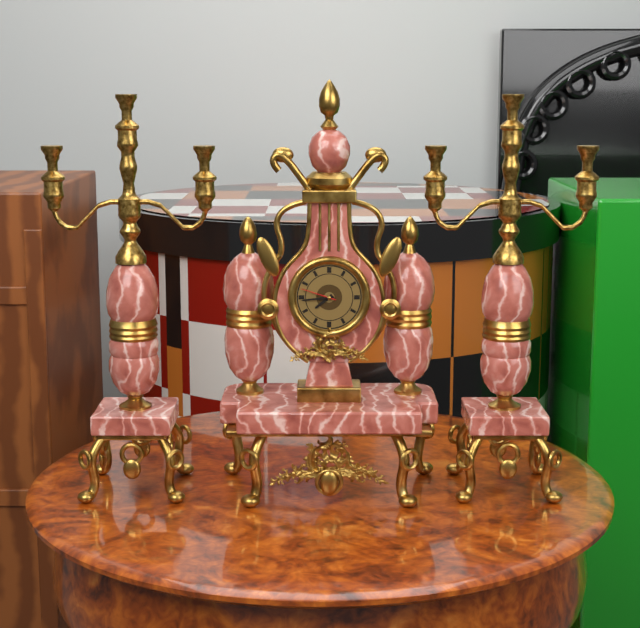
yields h=7 m=44
